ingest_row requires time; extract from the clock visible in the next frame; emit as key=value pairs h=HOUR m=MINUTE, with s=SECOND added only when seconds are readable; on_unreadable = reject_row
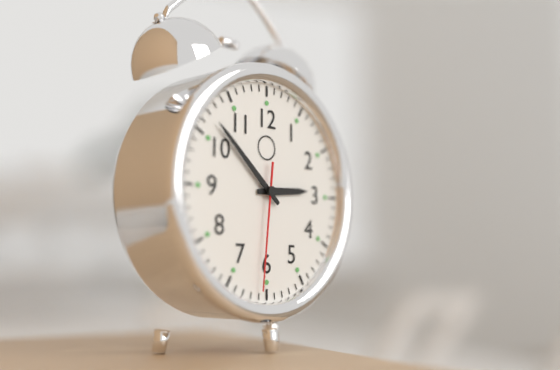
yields h=2 m=52 s=31
